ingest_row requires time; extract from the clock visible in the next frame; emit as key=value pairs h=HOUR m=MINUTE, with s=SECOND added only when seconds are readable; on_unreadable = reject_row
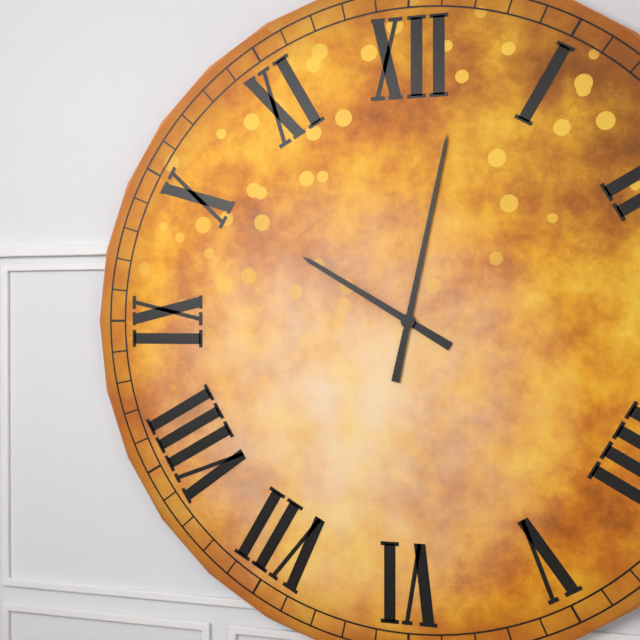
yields h=10 m=2
